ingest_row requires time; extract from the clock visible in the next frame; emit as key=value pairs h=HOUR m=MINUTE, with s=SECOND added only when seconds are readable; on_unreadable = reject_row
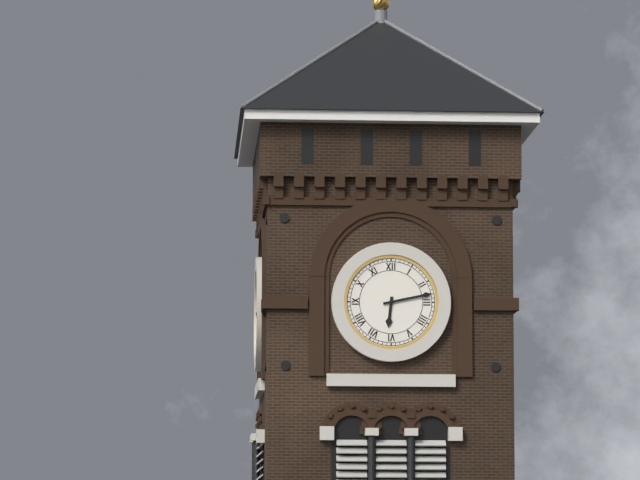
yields h=6 m=13
